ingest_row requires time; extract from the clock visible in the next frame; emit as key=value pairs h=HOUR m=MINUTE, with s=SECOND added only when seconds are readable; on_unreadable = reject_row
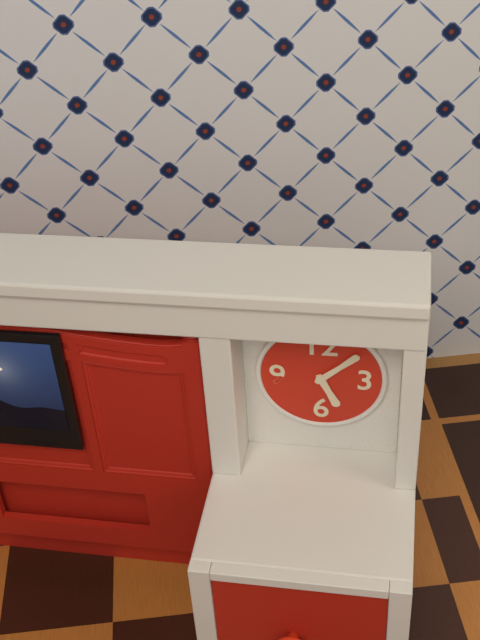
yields h=5 m=8
